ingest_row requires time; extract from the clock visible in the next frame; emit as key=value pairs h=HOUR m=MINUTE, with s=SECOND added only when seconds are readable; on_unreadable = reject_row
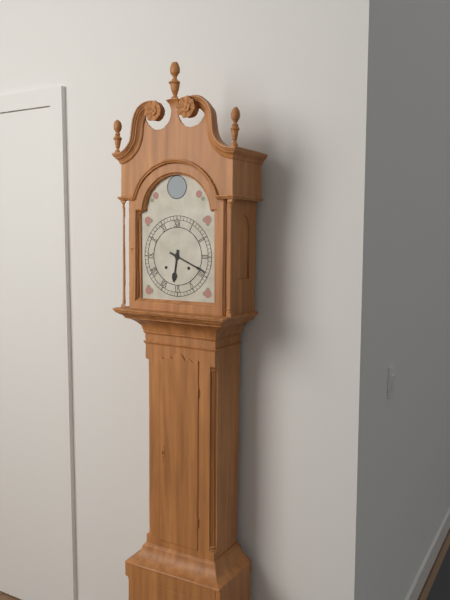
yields h=6 m=19
